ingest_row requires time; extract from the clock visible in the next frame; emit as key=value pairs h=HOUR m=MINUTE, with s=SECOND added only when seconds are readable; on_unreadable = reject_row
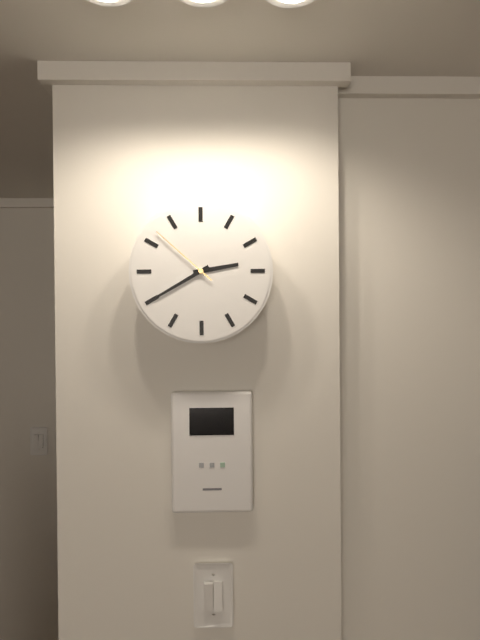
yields h=2 m=40 s=52
